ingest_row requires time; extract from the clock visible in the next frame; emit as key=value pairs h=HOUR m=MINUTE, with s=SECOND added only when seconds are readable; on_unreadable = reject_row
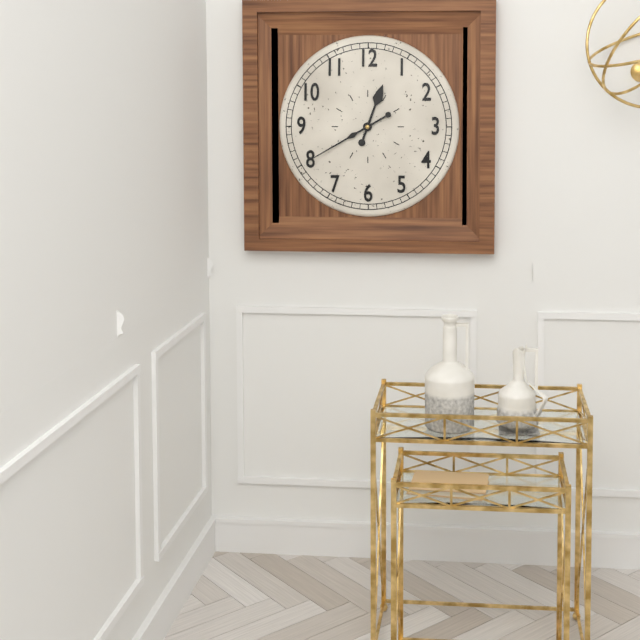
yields h=12 m=40
